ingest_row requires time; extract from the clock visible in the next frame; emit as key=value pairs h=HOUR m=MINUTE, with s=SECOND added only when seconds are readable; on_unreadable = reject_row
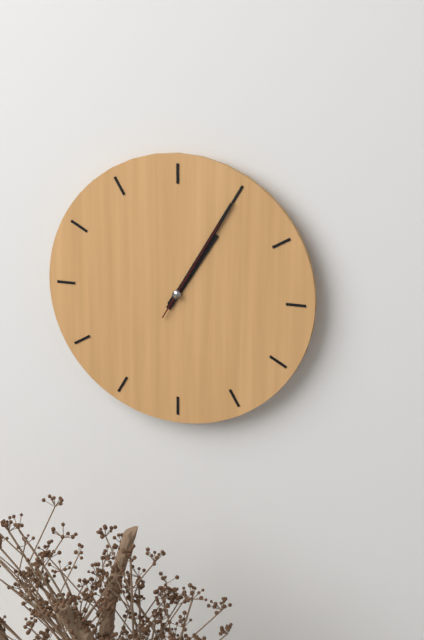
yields h=1 m=5 s=5
